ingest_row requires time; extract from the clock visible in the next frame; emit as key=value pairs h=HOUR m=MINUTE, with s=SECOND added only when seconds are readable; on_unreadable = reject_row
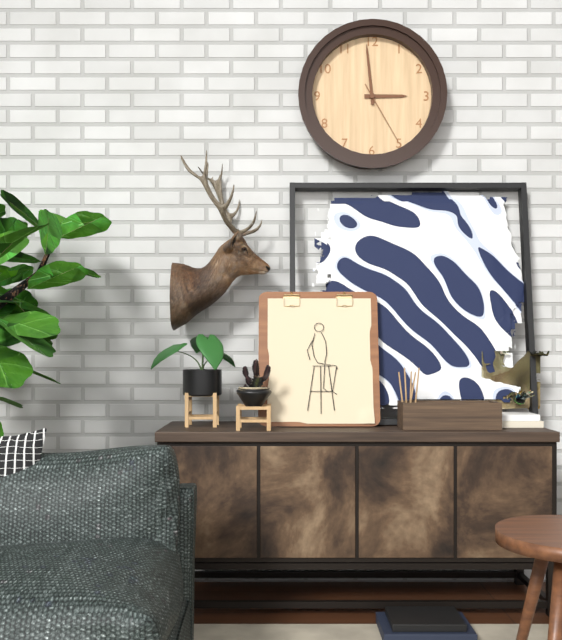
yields h=2 m=59 s=25
